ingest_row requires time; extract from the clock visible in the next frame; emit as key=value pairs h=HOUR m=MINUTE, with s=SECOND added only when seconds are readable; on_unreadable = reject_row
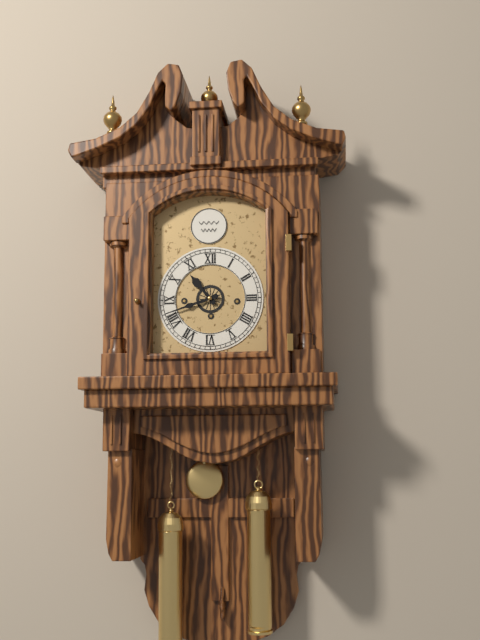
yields h=10 m=42
